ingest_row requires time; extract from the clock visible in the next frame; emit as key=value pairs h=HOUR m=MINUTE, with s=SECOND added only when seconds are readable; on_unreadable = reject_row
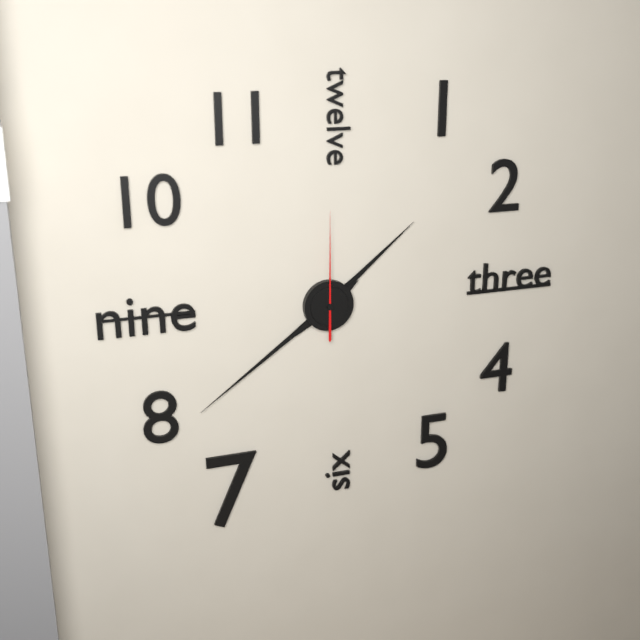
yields h=1 m=39 s=0
